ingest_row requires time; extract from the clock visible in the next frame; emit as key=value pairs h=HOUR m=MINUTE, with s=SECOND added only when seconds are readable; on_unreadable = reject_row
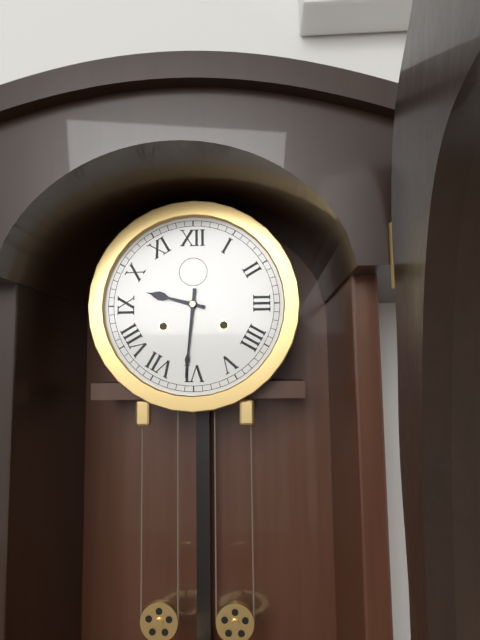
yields h=9 m=31
